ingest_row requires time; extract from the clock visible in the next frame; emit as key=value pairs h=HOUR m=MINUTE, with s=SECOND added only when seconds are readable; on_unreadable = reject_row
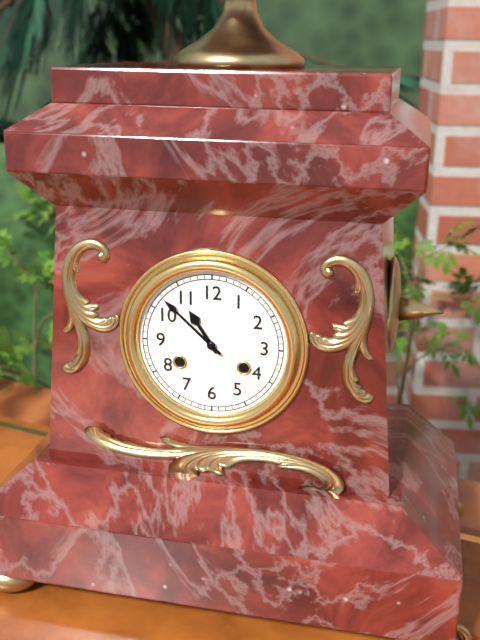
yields h=10 m=52
